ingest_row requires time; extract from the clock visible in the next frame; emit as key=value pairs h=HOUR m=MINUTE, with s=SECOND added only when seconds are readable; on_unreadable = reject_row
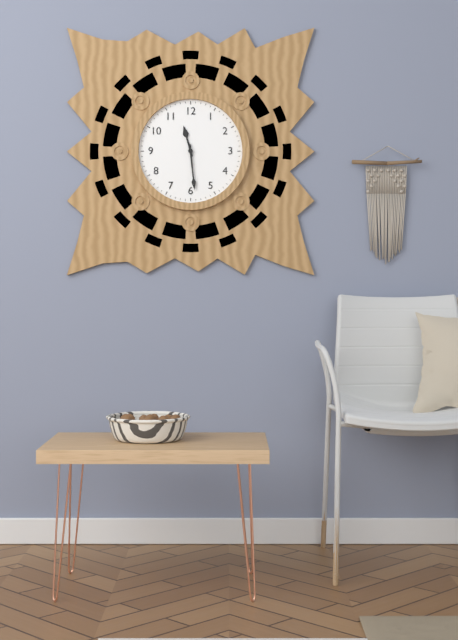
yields h=11 m=29
